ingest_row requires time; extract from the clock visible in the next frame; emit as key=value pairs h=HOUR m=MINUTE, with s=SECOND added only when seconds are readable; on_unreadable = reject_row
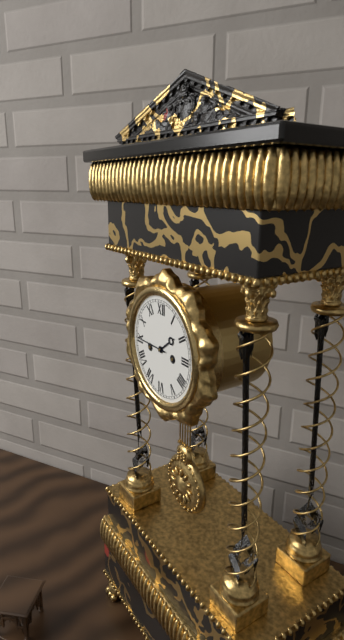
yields h=1 m=45
